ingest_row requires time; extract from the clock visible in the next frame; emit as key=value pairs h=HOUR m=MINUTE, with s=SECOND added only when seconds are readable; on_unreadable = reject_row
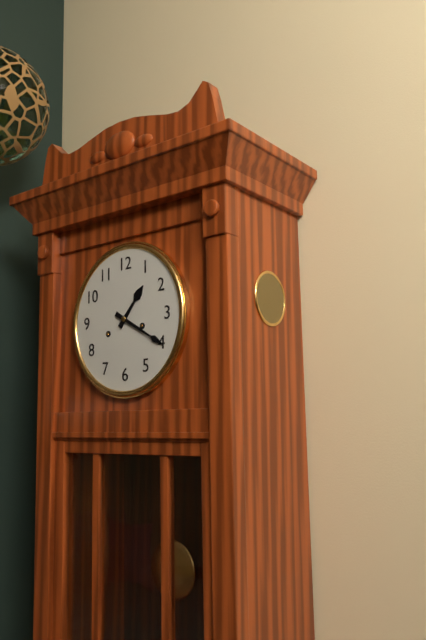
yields h=1 m=20
